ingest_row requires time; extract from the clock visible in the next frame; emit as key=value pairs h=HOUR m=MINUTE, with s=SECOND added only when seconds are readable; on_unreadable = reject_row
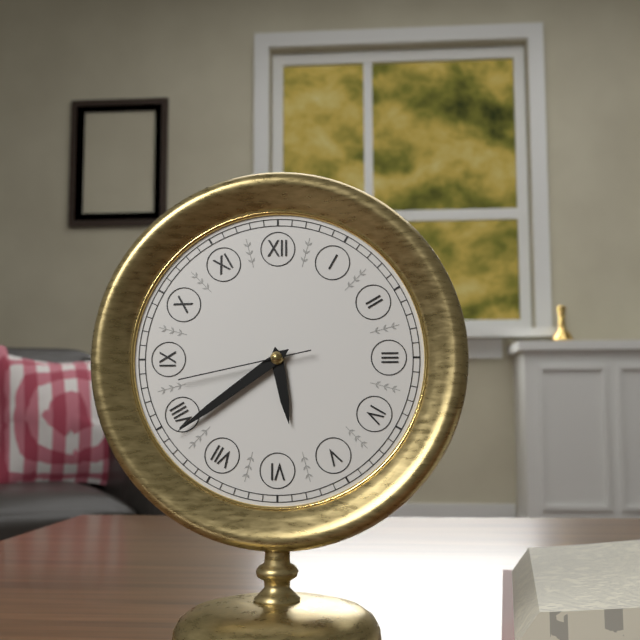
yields h=5 m=39 s=43
